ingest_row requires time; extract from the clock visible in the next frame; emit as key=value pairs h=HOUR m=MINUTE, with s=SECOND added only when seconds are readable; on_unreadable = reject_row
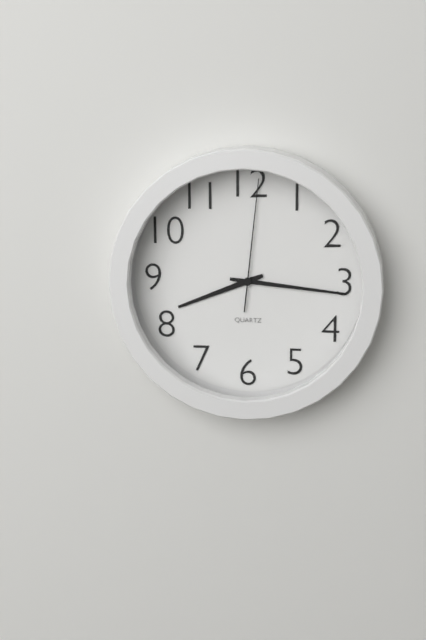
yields h=8 m=16 s=1
